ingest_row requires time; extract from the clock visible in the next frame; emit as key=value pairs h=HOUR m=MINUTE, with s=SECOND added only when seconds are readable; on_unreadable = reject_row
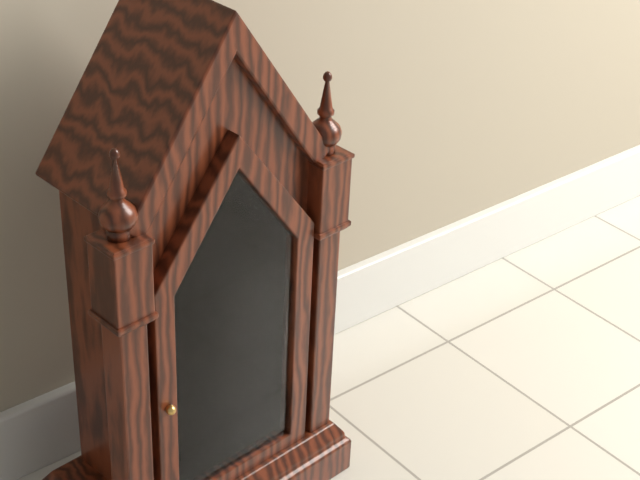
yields h=2 m=58
